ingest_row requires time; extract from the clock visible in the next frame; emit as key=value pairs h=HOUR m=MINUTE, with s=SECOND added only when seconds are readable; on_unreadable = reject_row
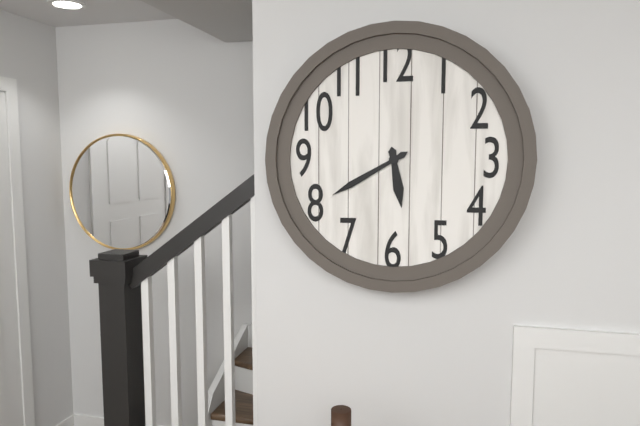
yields h=5 m=40
